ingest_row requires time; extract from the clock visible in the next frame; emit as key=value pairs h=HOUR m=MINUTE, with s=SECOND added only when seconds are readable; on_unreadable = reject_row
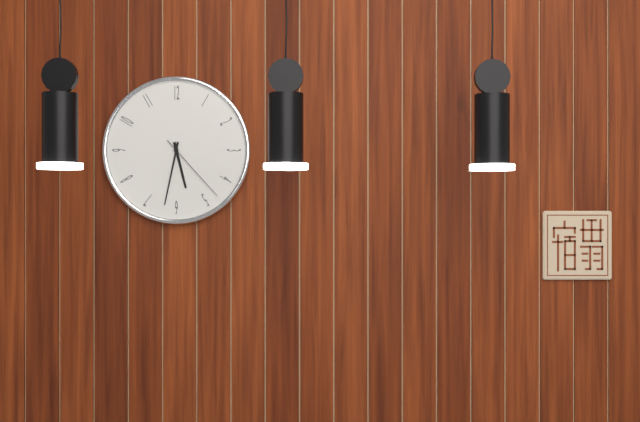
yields h=5 m=32 s=23
